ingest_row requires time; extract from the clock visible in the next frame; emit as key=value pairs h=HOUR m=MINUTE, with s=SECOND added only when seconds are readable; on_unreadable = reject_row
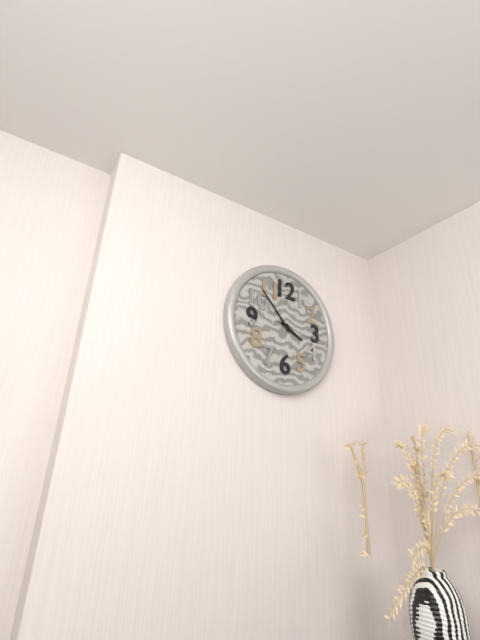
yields h=3 m=53
